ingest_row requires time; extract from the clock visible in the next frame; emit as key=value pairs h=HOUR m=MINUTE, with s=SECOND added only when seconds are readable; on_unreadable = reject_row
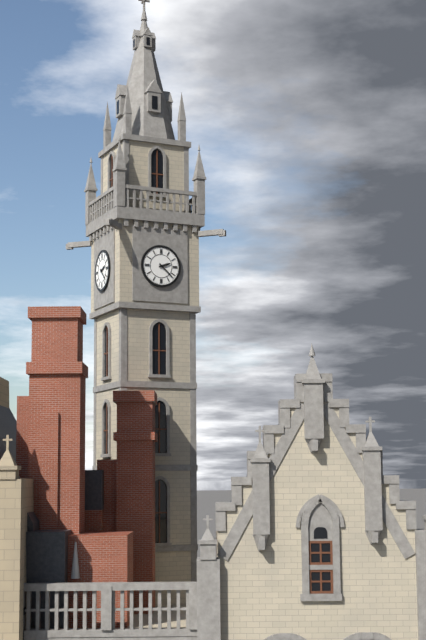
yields h=2 m=22
